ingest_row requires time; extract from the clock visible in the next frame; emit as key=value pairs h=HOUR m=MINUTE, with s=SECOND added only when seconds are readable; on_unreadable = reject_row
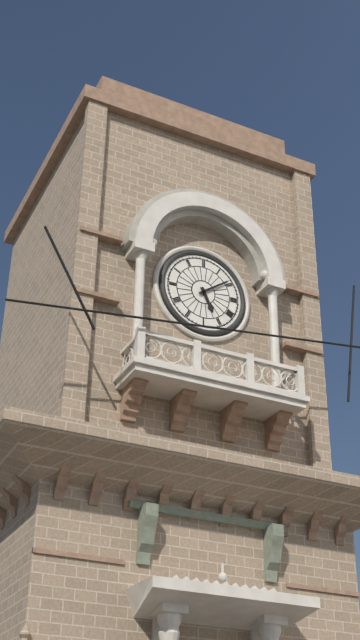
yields h=5 m=9
